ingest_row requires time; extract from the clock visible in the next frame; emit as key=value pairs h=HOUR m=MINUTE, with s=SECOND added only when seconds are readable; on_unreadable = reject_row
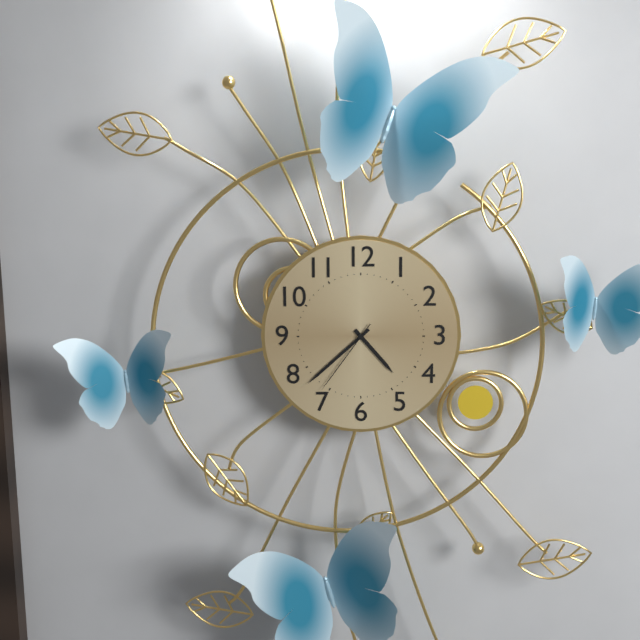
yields h=4 m=38 s=36
